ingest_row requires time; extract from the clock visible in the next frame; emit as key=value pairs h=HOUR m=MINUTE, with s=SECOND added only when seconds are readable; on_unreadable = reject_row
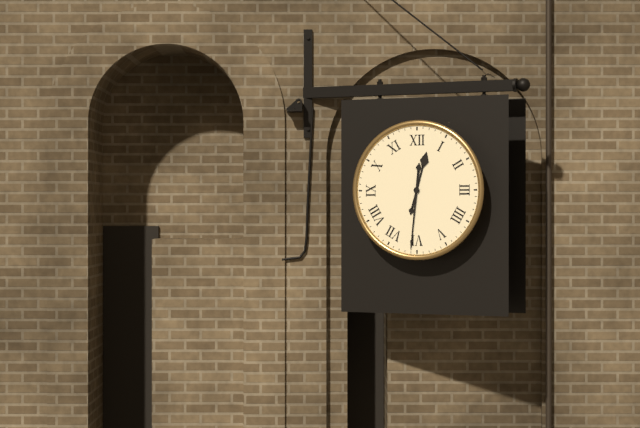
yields h=12 m=31
